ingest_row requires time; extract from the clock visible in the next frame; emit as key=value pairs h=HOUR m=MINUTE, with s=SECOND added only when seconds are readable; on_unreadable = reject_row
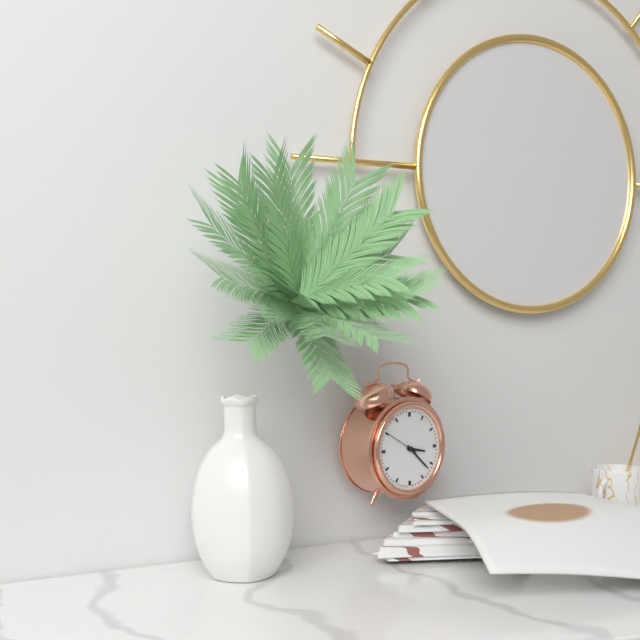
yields h=3 m=22
